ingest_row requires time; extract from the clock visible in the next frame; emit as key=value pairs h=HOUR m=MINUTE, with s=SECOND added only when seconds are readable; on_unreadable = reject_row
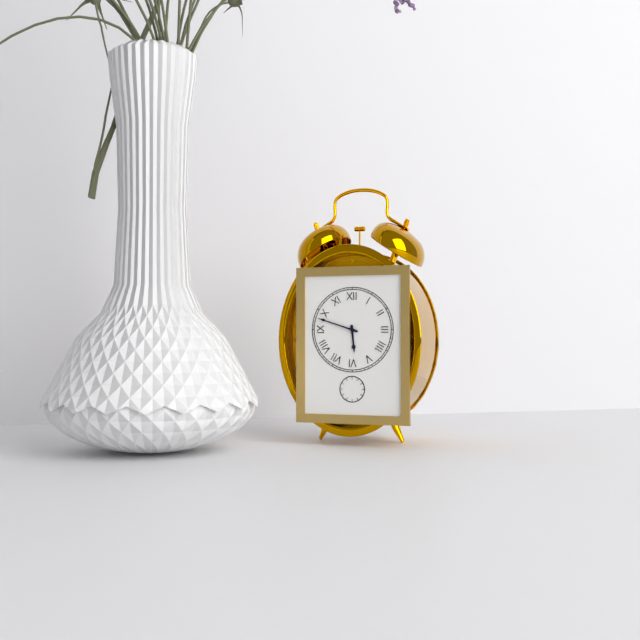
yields h=5 m=48
